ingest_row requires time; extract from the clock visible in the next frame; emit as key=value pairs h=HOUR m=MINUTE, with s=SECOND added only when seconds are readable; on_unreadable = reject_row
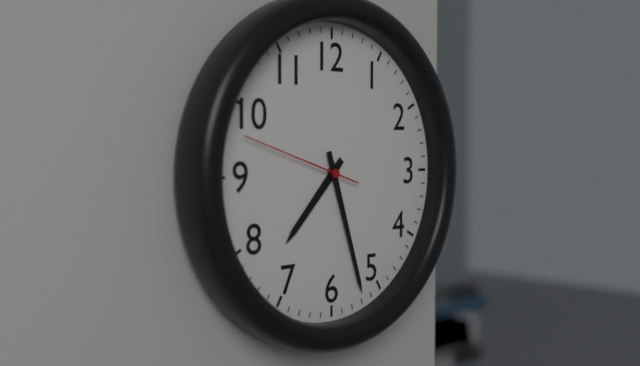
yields h=7 m=27 s=48
